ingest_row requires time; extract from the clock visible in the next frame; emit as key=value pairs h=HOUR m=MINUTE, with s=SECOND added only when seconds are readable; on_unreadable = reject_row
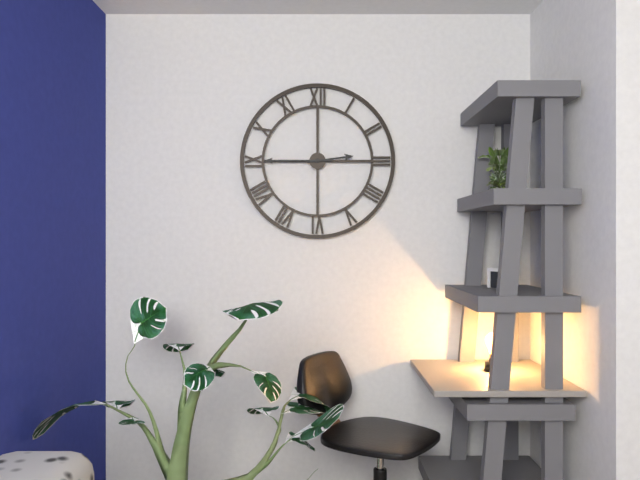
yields h=2 m=45
